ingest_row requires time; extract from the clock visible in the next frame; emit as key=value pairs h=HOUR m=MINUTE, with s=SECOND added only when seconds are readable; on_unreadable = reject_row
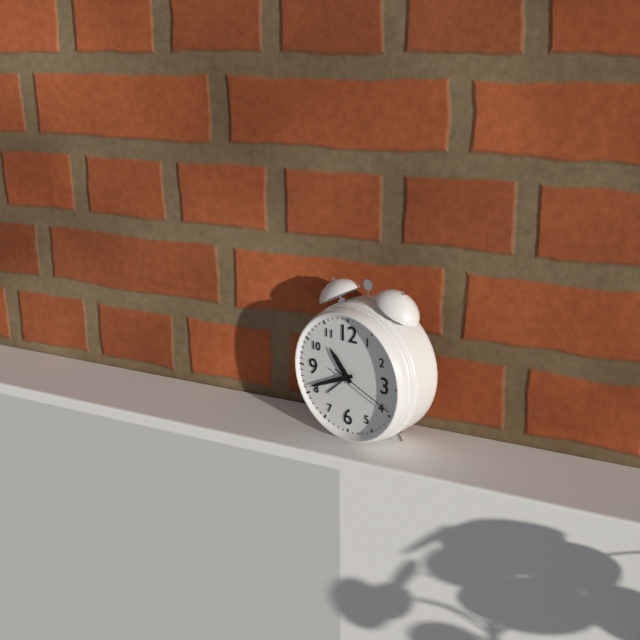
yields h=10 m=41 s=19
